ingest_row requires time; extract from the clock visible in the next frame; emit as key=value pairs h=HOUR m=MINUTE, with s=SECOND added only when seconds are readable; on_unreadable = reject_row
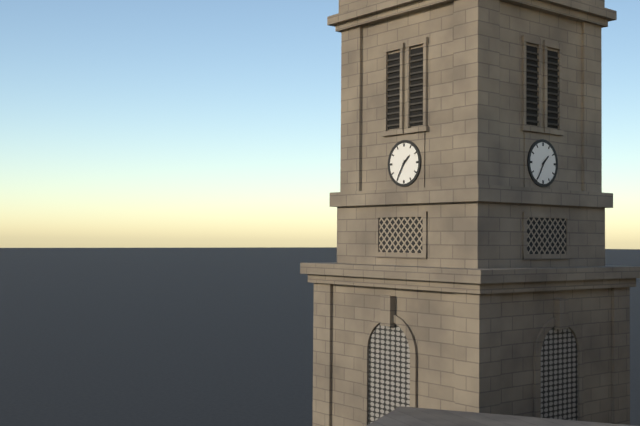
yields h=1 m=35
